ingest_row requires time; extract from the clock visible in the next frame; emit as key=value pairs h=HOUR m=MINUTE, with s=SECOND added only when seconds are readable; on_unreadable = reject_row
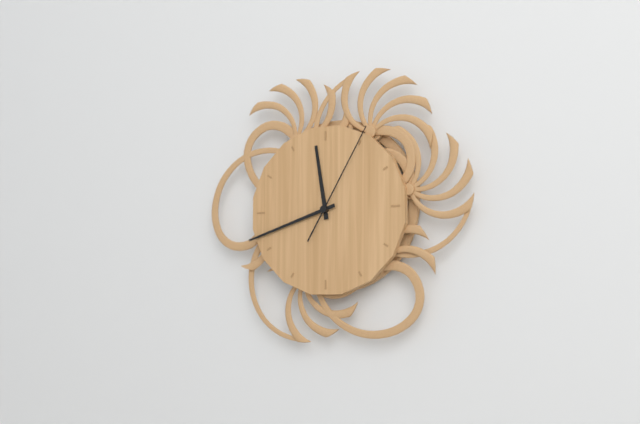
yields h=11 m=42 s=5
